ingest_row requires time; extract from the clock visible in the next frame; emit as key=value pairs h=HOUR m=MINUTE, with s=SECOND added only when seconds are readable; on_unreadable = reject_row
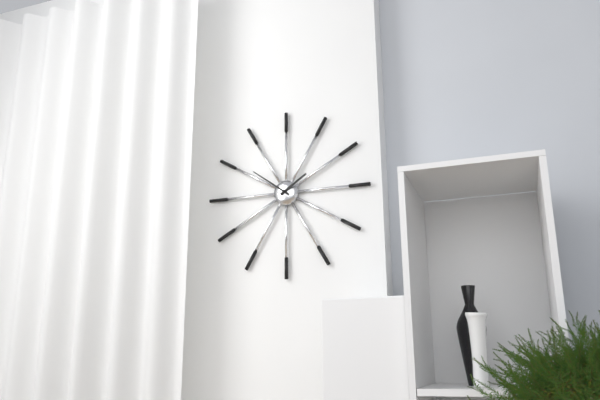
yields h=1 m=51
